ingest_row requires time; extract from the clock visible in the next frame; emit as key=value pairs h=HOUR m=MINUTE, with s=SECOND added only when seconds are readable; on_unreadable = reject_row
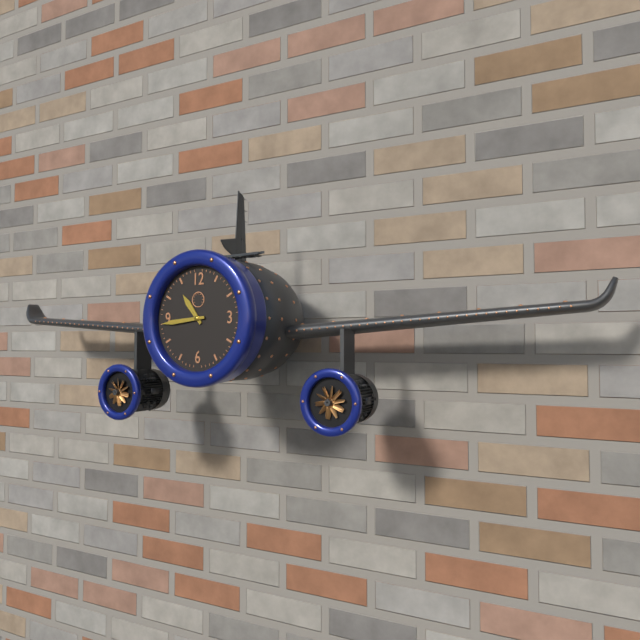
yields h=10 m=44
